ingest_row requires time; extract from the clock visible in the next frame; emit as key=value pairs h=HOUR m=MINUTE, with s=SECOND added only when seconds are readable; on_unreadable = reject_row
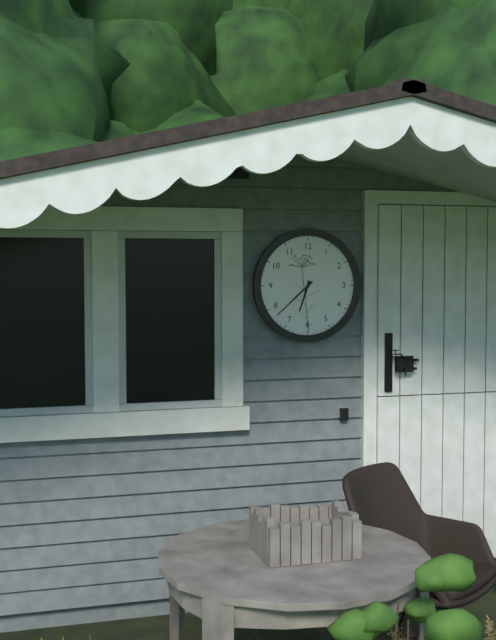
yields h=6 m=38
